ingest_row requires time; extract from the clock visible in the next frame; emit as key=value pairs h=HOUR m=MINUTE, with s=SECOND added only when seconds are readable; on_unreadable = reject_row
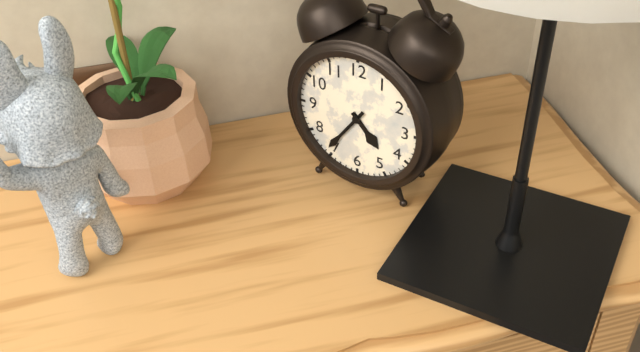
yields h=4 m=36
